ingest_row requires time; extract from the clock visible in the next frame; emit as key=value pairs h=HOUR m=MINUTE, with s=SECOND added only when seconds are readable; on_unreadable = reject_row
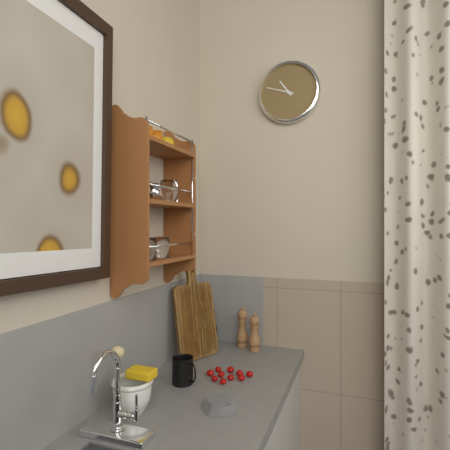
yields h=10 m=48
